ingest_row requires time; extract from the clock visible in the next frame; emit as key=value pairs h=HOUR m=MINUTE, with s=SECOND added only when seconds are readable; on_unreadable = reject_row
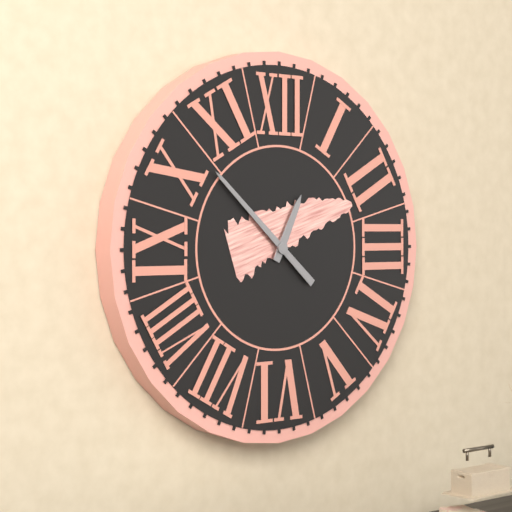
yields h=12 m=52
